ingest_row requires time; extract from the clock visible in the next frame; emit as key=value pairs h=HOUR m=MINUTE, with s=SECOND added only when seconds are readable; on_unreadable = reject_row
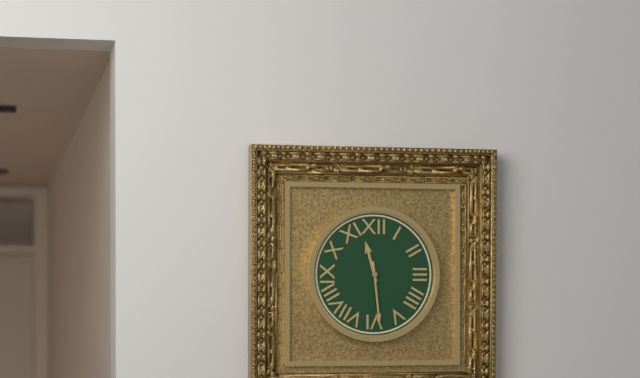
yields h=11 m=29
